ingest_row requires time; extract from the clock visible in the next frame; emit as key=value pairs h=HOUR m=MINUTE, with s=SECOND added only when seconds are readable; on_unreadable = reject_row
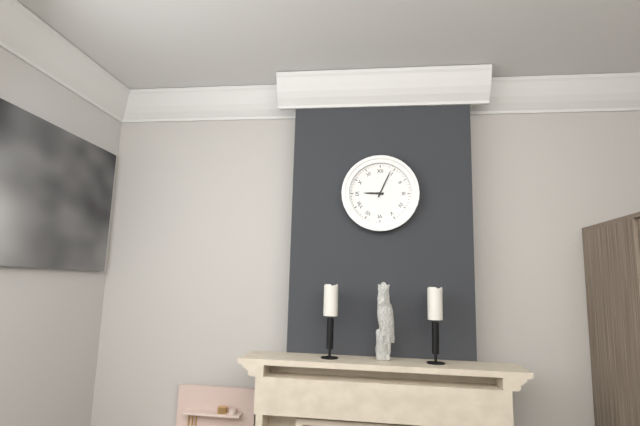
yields h=9 m=4
